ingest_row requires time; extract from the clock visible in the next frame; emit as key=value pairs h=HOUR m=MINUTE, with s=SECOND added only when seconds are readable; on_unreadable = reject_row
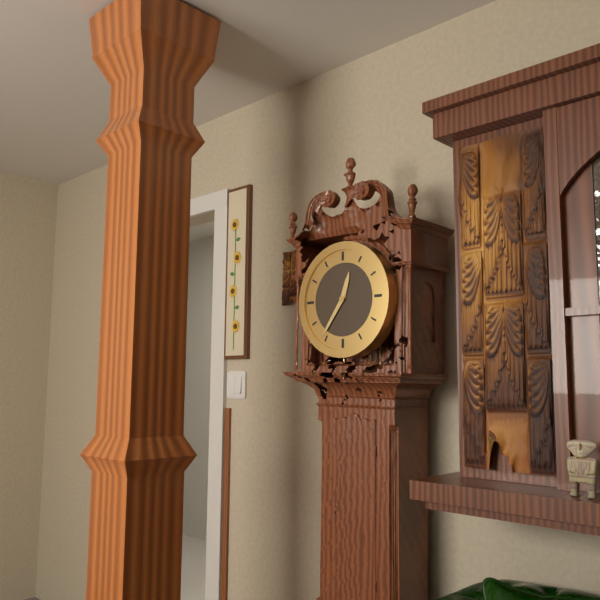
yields h=12 m=36
